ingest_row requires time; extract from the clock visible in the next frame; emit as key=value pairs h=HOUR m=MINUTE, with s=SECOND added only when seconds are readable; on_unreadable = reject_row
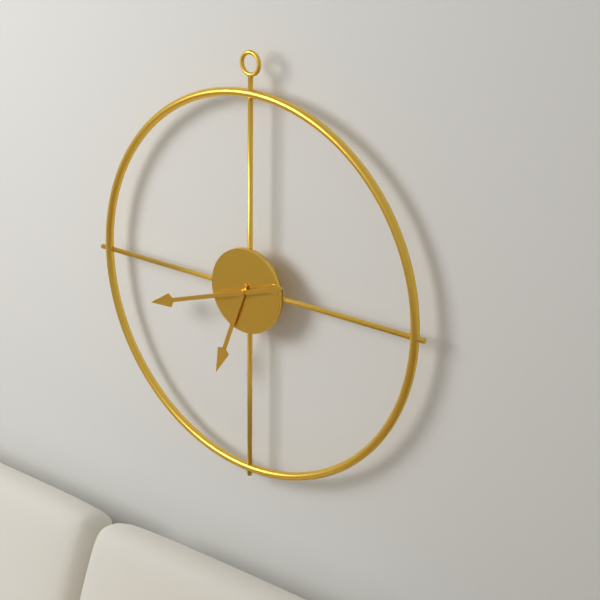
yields h=6 m=42
